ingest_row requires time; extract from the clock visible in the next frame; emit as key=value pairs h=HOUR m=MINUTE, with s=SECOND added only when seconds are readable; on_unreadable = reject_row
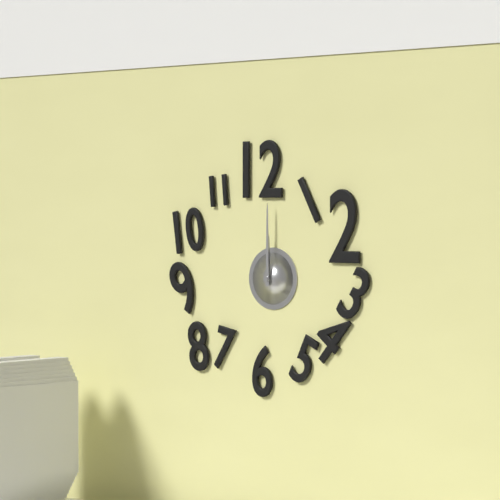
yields h=12 m=0
